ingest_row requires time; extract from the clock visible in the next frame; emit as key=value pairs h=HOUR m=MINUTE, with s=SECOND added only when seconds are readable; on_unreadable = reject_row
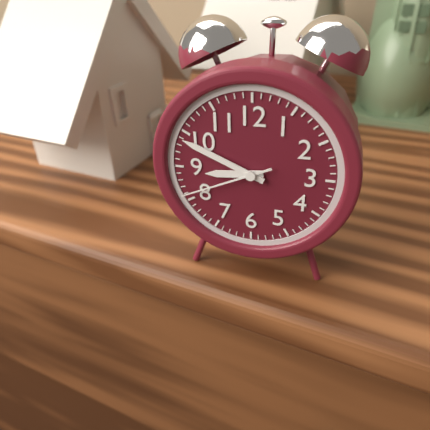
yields h=8 m=49 s=41
